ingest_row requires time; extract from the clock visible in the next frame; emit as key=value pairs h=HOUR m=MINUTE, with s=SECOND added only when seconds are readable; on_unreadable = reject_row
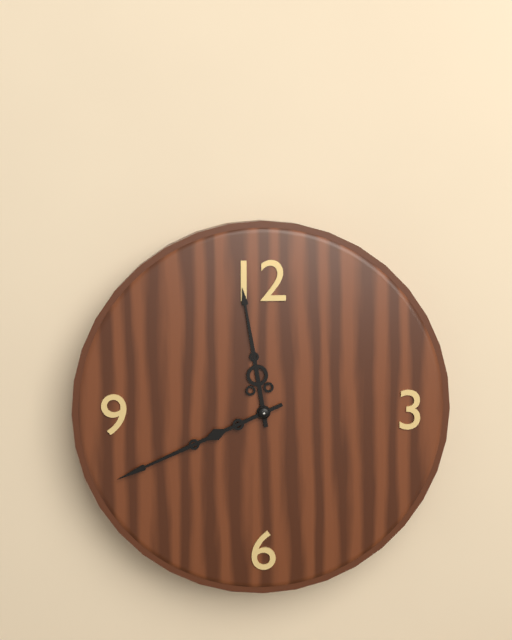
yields h=11 m=41
